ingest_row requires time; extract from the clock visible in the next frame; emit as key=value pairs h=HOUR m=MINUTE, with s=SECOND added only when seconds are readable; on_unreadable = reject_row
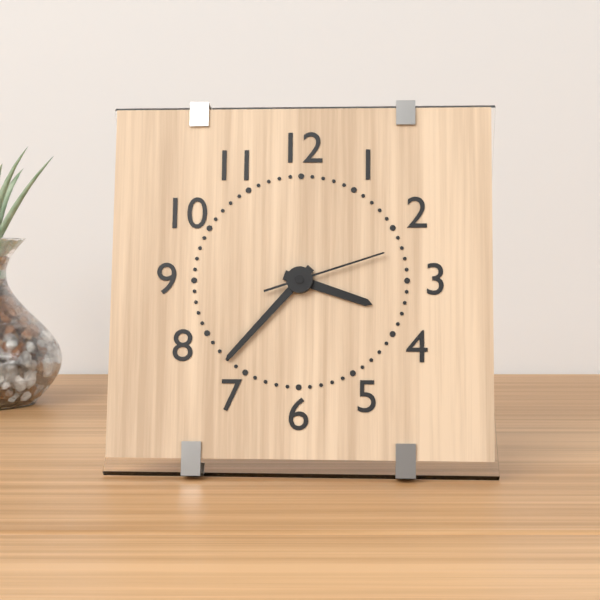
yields h=3 m=37 s=12
